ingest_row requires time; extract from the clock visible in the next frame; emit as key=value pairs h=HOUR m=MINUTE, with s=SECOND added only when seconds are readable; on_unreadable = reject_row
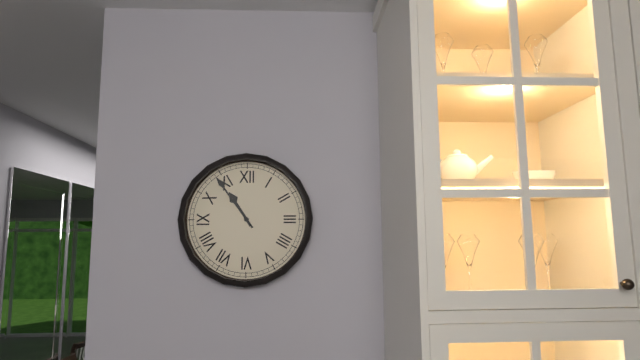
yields h=10 m=54
